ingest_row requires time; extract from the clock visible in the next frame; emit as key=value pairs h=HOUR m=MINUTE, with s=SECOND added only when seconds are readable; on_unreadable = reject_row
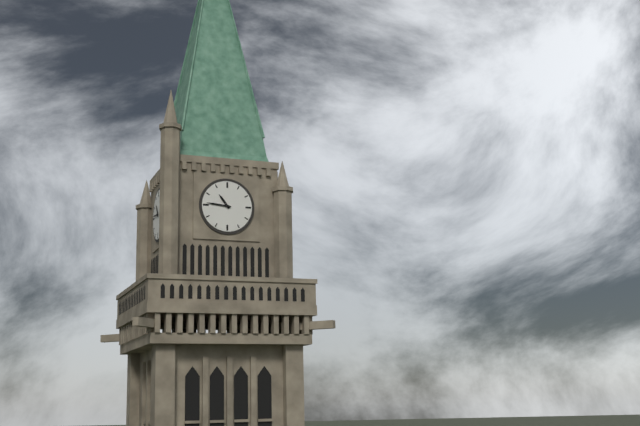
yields h=10 m=46
